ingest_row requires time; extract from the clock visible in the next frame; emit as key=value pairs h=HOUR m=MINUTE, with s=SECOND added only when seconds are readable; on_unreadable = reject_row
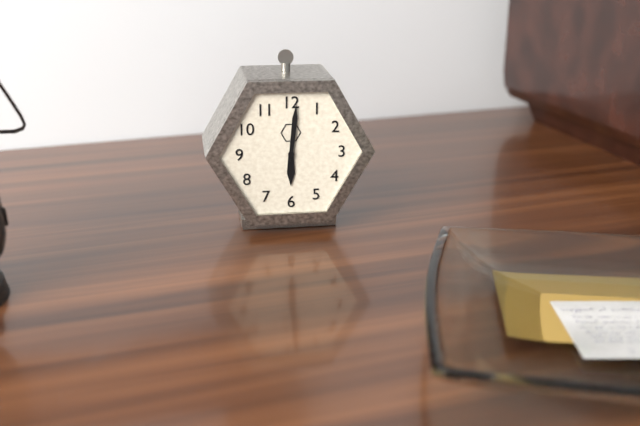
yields h=6 m=1
